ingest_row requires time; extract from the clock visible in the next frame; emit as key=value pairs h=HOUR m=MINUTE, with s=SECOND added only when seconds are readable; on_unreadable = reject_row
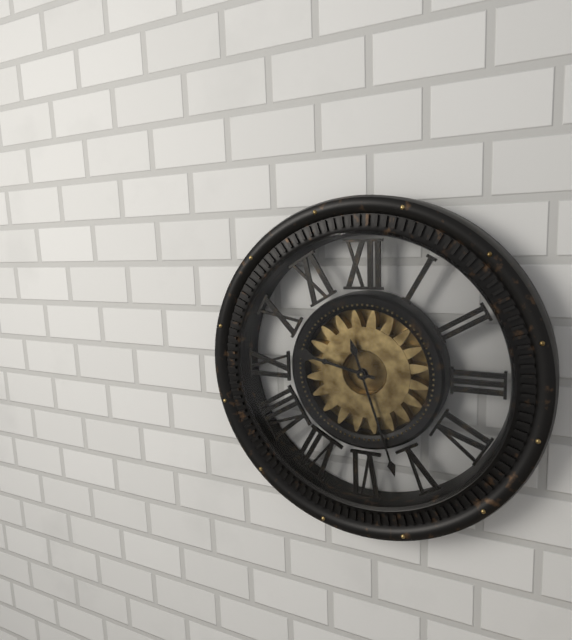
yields h=9 m=27
